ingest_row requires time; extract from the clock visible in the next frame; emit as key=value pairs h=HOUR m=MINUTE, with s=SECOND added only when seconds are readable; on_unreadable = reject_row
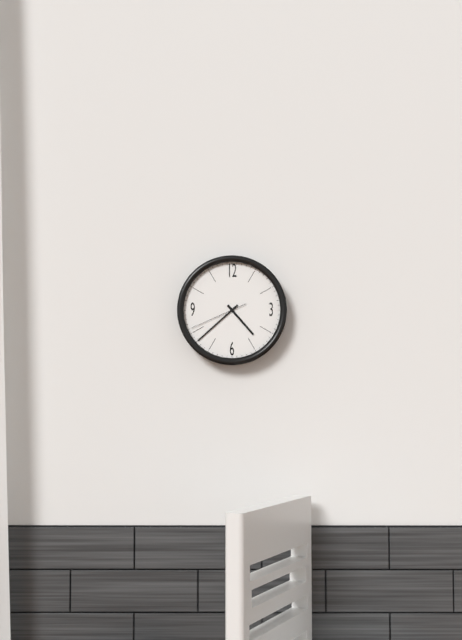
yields h=4 m=38 s=41
